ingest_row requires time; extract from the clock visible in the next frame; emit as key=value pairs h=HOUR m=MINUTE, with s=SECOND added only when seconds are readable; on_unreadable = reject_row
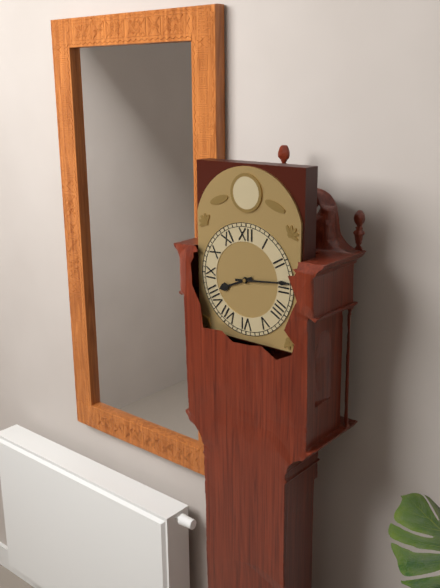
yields h=8 m=14
